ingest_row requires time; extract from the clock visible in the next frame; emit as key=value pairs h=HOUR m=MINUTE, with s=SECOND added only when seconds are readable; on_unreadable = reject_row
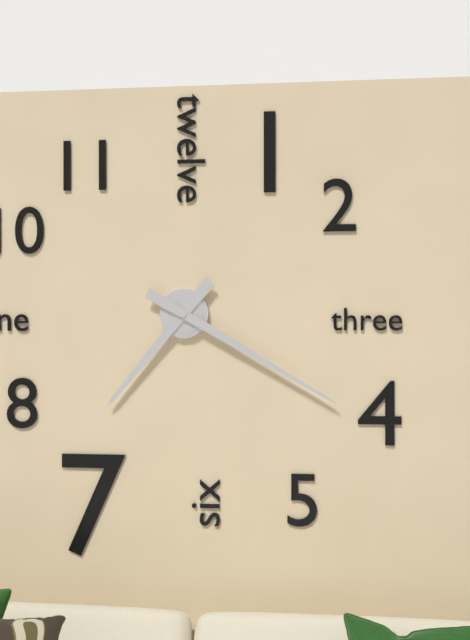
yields h=7 m=20
